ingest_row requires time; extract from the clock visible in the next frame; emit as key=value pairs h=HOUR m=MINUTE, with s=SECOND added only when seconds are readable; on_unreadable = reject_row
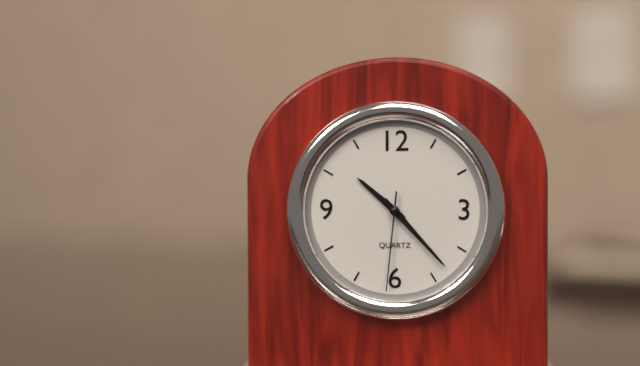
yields h=10 m=23 s=31
